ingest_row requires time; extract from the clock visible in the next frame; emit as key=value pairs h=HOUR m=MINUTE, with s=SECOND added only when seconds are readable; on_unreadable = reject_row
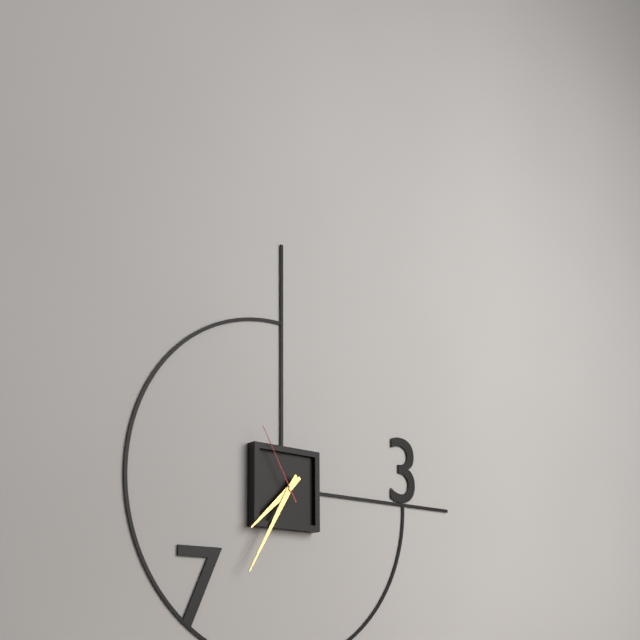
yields h=7 m=35 s=55
